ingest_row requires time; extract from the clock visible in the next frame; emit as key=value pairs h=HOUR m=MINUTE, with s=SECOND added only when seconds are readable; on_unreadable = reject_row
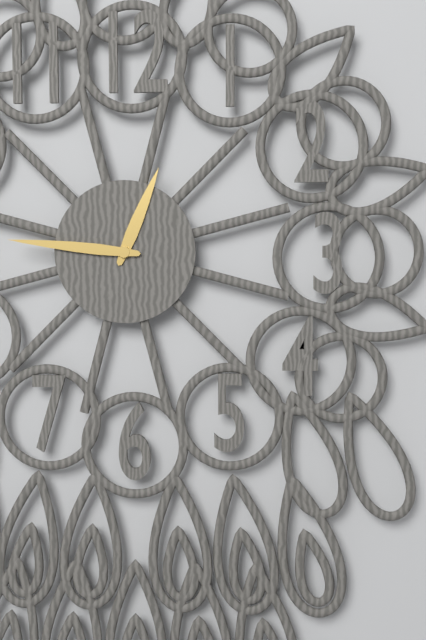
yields h=12 m=46
